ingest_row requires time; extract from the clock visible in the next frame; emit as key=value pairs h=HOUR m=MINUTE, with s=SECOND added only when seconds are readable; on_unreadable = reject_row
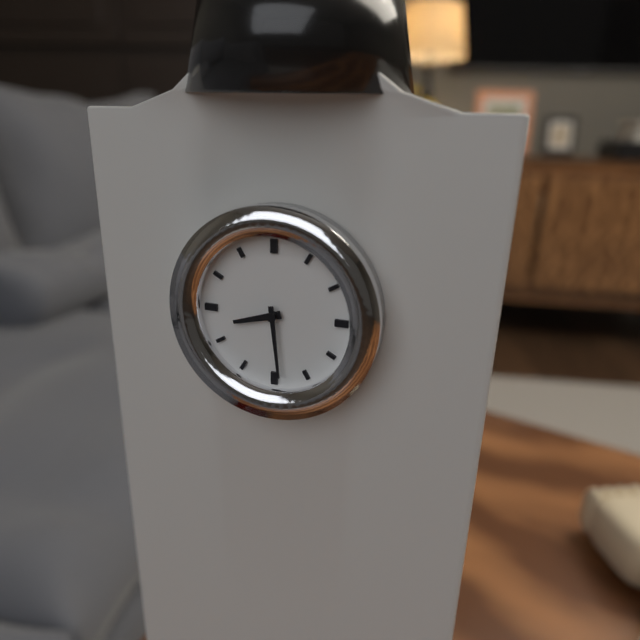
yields h=8 m=29
